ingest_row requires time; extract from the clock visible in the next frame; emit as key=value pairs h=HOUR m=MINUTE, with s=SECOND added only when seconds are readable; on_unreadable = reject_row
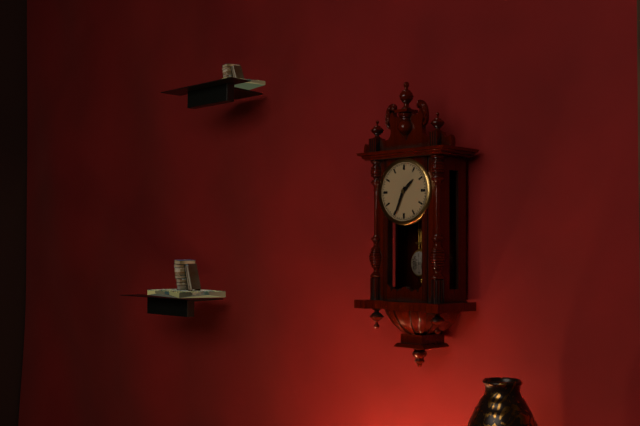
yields h=1 m=34
